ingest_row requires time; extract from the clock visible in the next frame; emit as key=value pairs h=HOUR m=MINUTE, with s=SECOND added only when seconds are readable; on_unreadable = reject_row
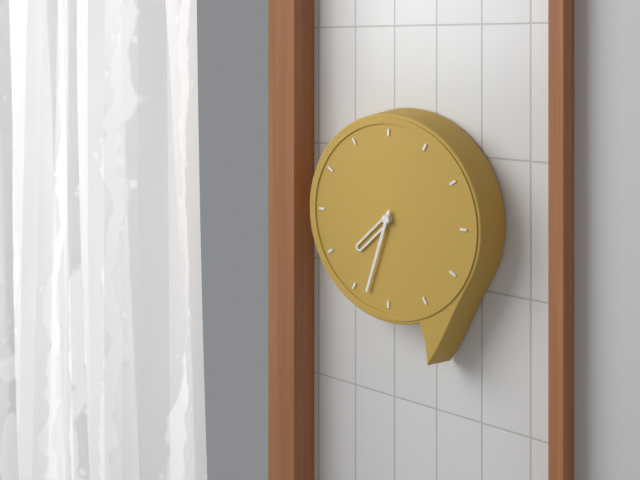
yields h=7 m=33
